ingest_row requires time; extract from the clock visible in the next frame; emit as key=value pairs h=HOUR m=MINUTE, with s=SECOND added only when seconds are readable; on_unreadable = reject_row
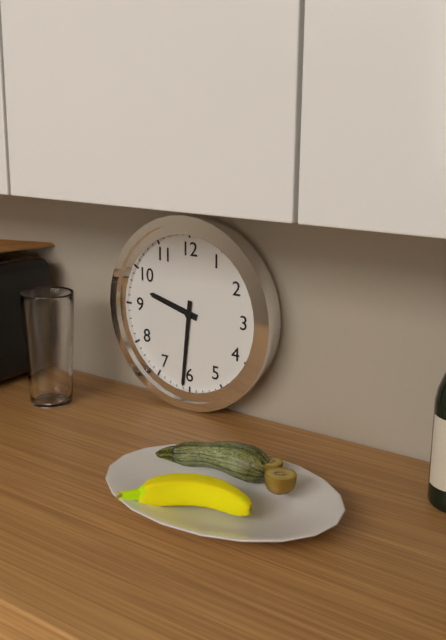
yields h=9 m=31
